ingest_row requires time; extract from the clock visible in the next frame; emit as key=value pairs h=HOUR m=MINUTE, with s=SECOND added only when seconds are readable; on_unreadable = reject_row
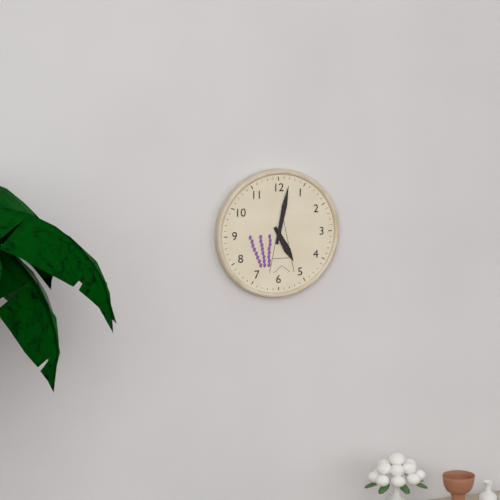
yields h=5 m=2
